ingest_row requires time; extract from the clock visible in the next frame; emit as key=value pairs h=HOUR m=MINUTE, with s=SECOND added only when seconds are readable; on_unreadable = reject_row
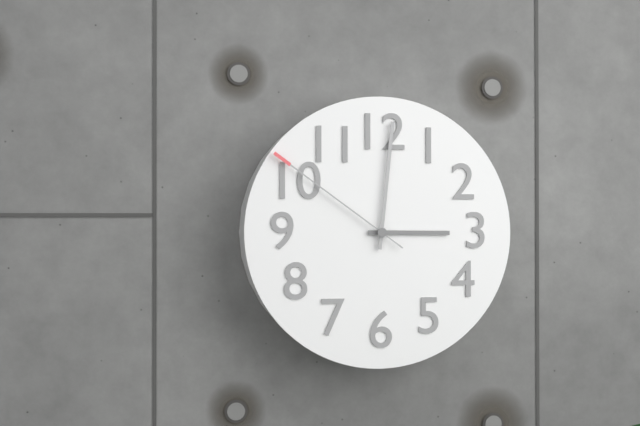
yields h=3 m=1 s=51
